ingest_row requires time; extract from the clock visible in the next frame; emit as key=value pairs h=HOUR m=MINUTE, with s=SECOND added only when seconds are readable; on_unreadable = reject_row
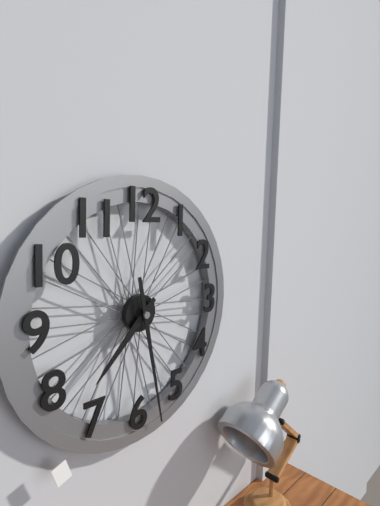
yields h=7 m=28
